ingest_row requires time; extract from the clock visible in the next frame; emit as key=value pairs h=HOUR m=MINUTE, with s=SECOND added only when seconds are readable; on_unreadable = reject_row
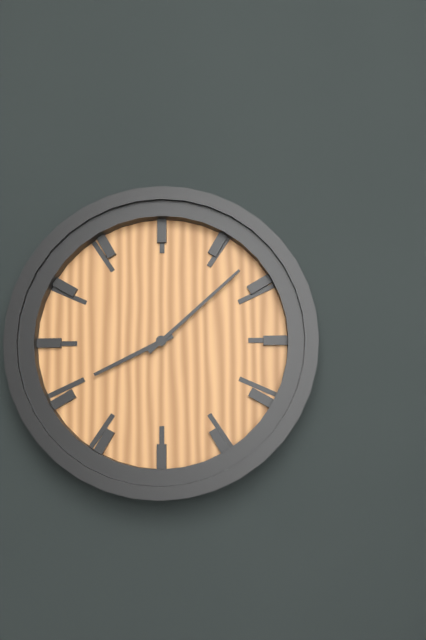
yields h=8 m=8
